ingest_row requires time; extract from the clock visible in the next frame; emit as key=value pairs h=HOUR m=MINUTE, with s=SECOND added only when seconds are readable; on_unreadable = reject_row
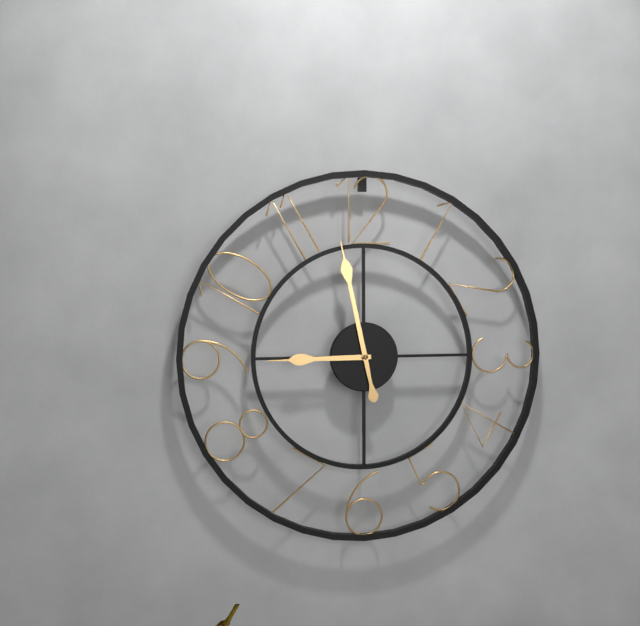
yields h=8 m=58
